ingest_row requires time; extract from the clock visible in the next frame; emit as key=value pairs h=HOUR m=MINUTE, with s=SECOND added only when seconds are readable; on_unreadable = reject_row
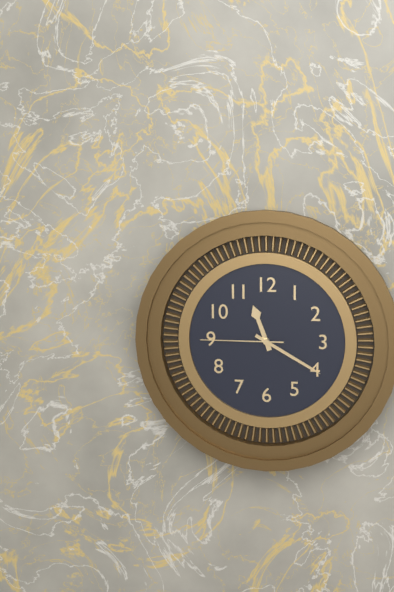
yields h=11 m=20 s=45
